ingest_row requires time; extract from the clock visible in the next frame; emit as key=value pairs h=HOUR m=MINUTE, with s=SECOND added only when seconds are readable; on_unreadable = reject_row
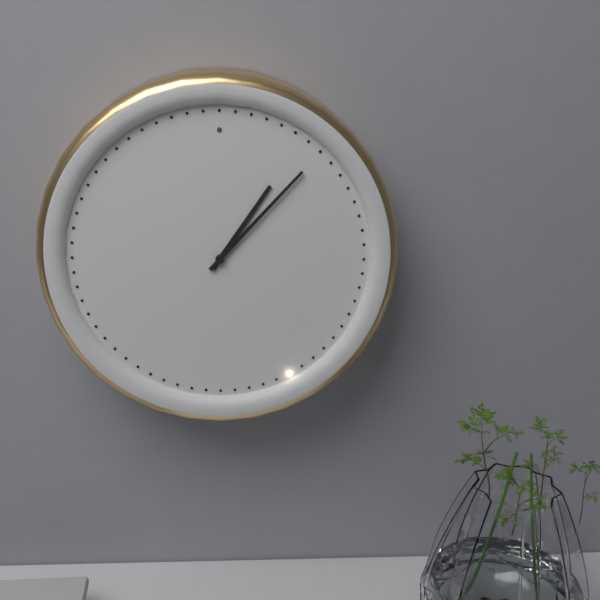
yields h=1 m=7
